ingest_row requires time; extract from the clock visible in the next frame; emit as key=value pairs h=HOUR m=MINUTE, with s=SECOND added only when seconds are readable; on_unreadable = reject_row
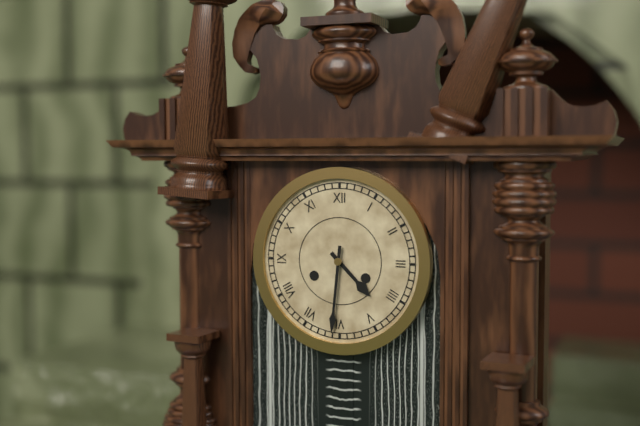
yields h=4 m=31
